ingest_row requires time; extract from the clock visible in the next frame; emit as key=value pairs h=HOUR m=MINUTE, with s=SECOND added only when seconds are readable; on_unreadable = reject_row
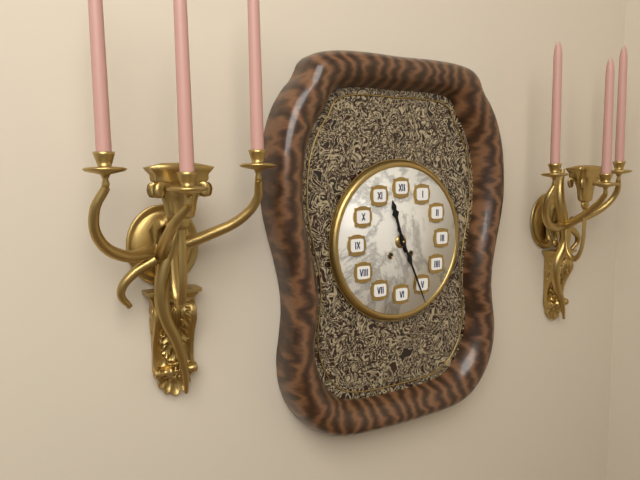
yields h=11 m=26
